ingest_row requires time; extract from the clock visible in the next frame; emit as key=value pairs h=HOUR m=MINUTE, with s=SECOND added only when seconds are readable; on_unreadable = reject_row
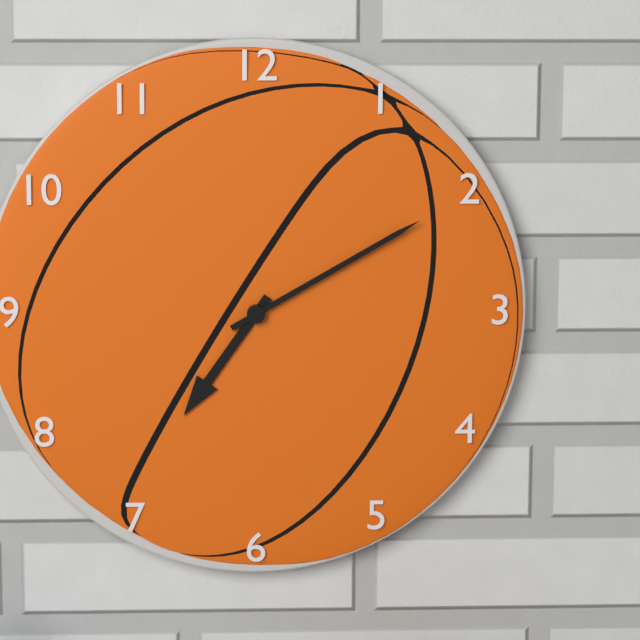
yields h=7 m=10
